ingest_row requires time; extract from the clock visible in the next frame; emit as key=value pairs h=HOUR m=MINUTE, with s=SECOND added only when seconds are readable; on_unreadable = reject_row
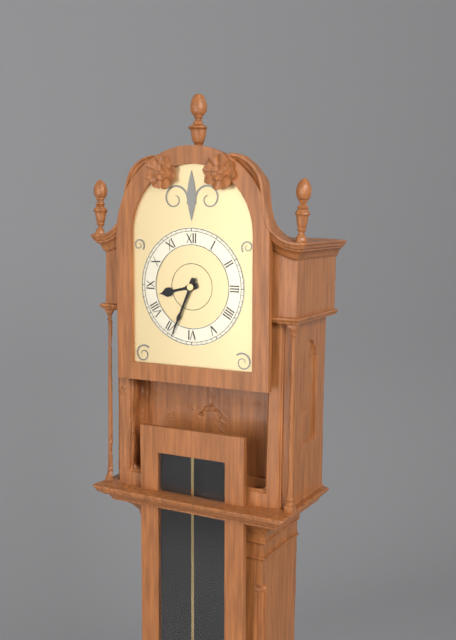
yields h=8 m=34
